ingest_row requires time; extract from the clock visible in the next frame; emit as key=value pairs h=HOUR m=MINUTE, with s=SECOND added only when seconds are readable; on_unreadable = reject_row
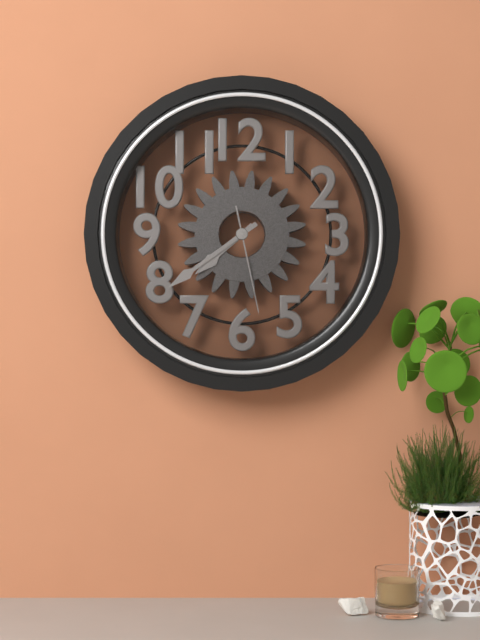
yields h=7 m=39 s=28
